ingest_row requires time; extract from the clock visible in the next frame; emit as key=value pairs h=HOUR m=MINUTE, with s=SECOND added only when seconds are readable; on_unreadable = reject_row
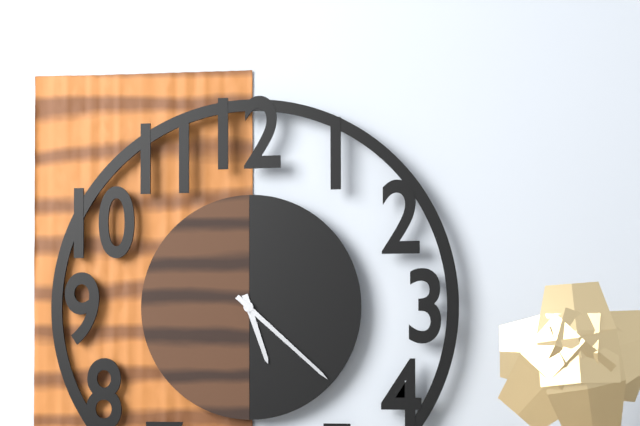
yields h=5 m=22
